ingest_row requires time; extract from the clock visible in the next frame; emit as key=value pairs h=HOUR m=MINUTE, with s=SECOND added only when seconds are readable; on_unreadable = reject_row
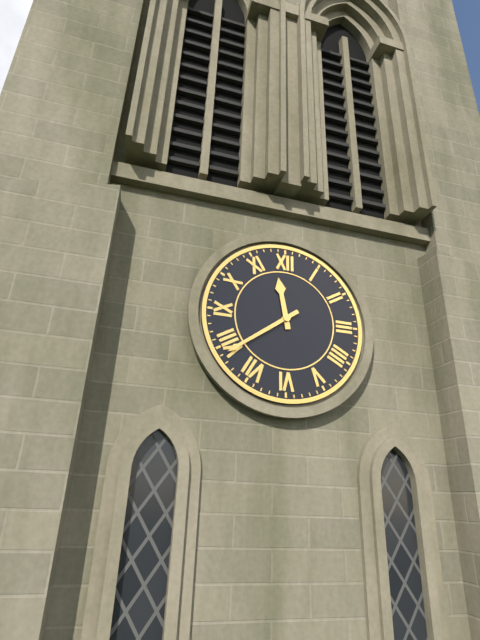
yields h=11 m=39
